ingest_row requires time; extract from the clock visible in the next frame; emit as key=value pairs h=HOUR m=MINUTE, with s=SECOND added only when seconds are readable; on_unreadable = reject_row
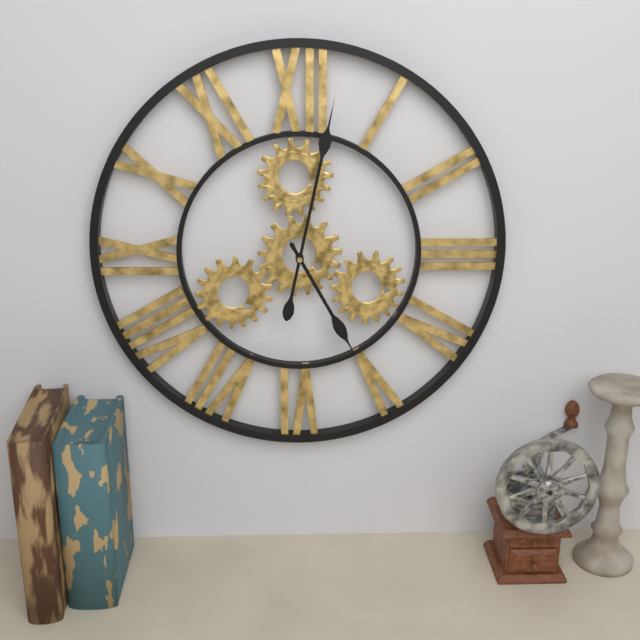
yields h=5 m=2
